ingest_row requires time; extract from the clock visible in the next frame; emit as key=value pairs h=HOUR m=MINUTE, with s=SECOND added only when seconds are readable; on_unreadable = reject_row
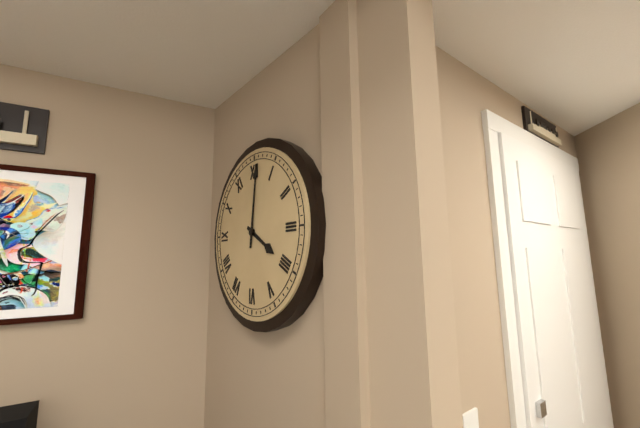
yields h=4 m=1
